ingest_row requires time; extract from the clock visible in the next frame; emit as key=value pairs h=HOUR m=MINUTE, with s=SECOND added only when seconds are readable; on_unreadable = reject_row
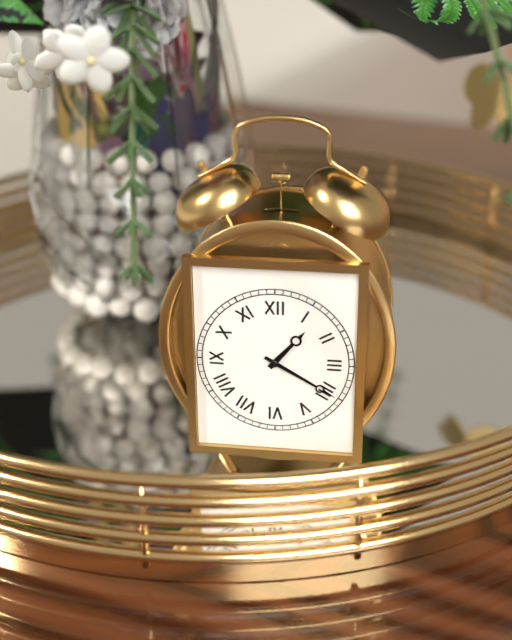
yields h=1 m=20
